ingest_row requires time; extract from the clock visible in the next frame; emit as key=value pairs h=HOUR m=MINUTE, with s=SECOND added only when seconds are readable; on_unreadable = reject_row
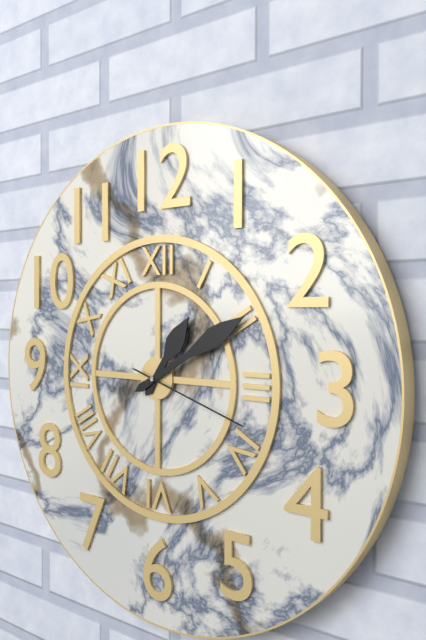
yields h=1 m=10 s=18
